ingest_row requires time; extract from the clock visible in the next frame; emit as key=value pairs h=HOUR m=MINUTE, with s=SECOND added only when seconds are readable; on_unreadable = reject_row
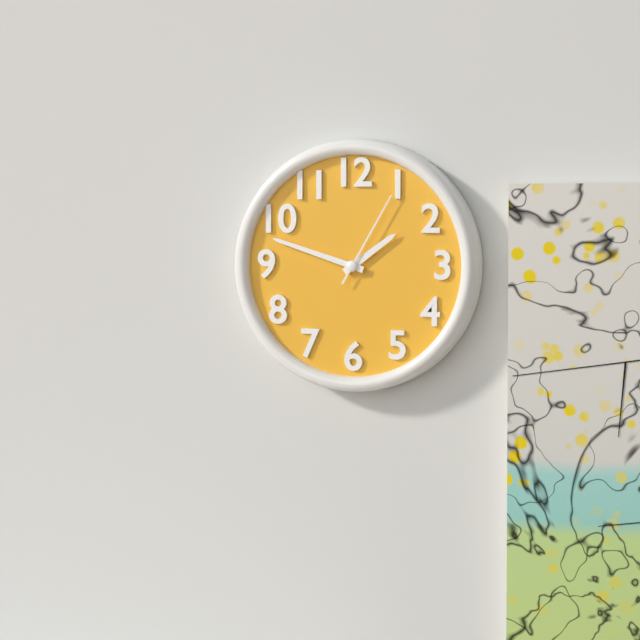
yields h=1 m=48 s=5
